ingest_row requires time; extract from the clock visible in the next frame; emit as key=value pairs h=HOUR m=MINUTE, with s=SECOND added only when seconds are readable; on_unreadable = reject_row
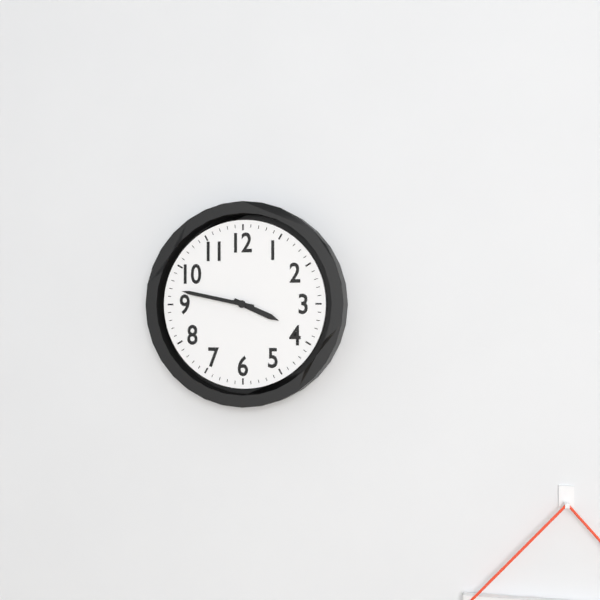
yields h=3 m=47
